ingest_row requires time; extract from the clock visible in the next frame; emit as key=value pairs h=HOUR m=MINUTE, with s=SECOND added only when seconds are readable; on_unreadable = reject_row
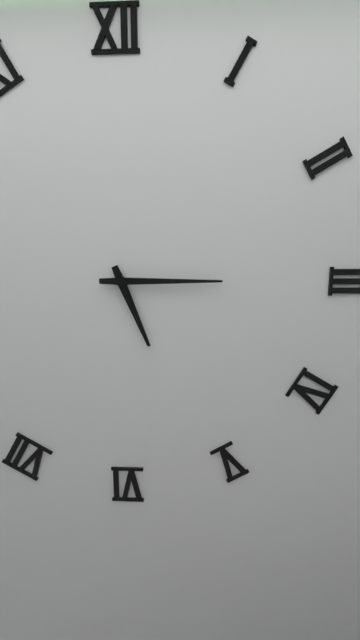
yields h=5 m=15
